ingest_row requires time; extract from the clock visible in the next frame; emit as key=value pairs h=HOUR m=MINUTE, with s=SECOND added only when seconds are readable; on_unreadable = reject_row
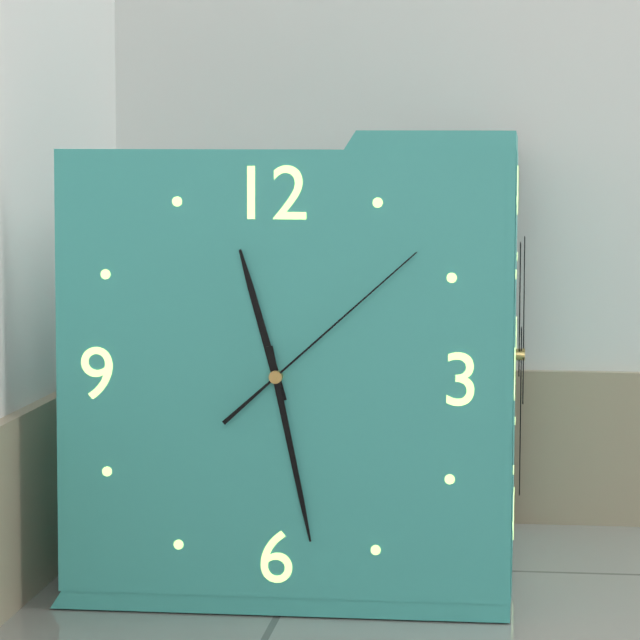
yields h=11 m=28 s=8
